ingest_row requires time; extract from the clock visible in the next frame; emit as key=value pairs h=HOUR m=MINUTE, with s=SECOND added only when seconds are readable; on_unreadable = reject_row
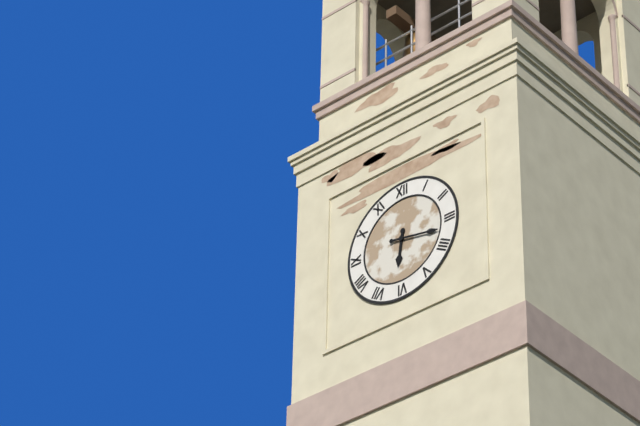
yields h=6 m=17
